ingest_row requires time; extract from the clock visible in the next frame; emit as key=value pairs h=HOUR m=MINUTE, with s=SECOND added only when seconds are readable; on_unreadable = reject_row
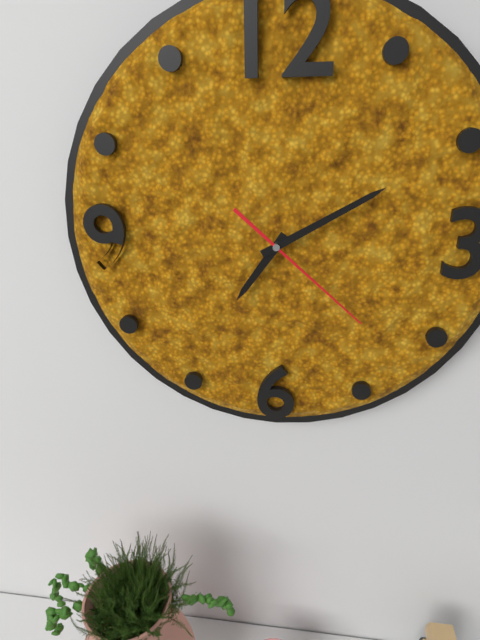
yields h=7 m=10 s=22
